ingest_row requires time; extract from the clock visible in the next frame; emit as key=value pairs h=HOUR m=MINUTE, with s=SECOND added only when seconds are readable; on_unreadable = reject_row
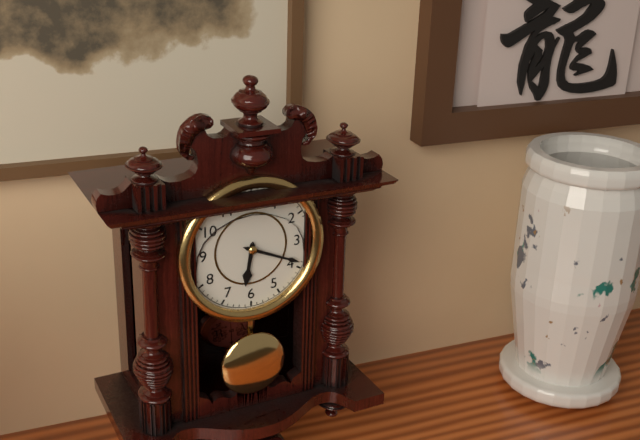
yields h=6 m=19
